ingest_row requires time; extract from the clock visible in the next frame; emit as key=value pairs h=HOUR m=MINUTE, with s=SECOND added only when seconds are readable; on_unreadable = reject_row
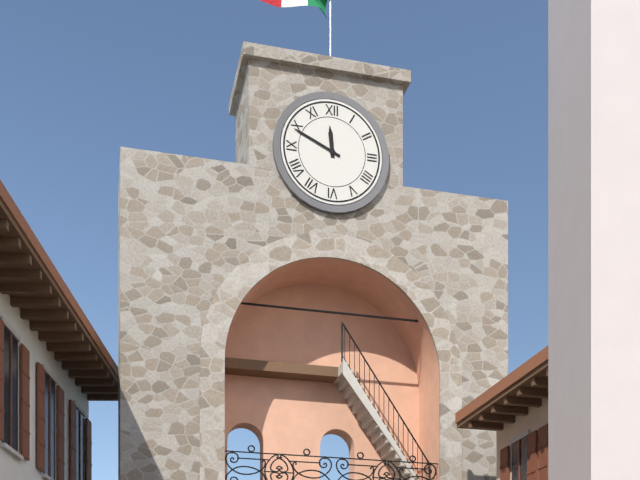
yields h=11 m=49
